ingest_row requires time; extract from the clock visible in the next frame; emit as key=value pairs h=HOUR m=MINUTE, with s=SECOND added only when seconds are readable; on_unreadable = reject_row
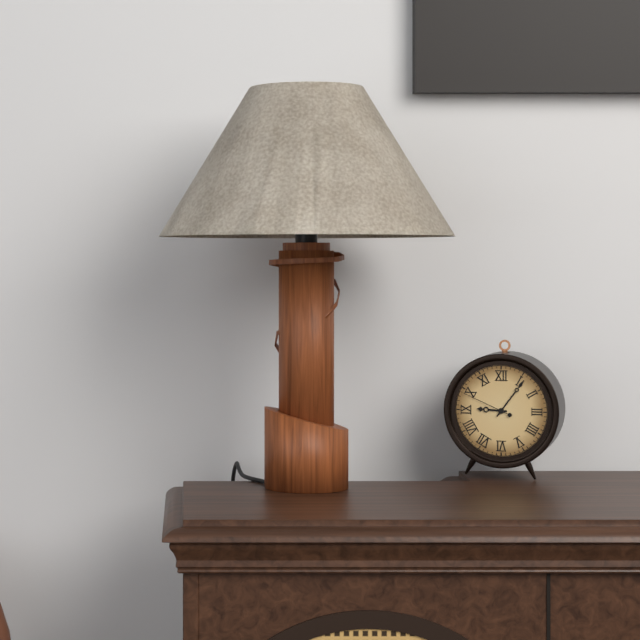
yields h=9 m=6 s=49
